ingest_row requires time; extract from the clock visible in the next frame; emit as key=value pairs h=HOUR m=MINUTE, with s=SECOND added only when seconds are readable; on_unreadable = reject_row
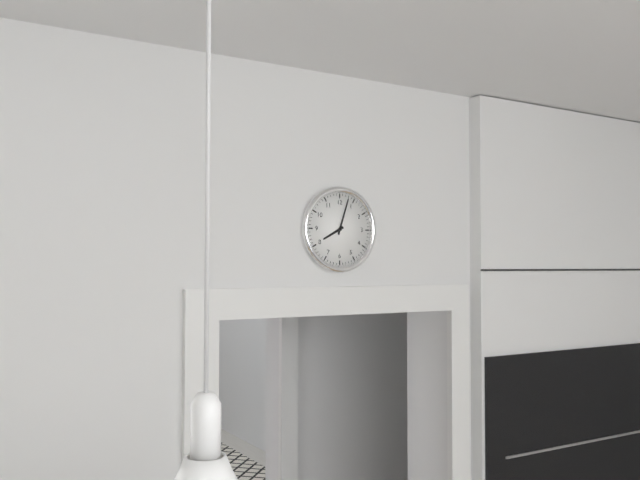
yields h=8 m=3
